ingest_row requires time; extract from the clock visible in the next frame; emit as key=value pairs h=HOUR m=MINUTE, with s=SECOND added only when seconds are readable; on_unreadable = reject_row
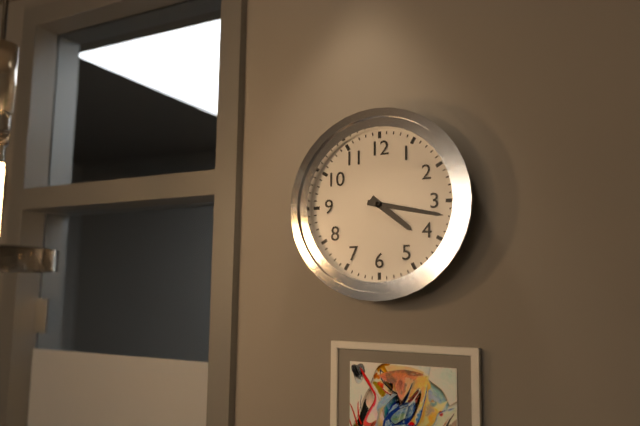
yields h=4 m=17
